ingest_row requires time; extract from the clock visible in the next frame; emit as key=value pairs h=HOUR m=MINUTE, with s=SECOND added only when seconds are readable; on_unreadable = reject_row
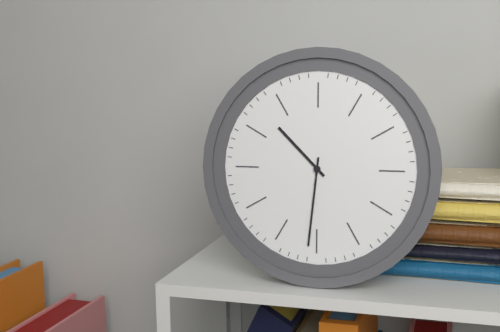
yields h=10 m=31
